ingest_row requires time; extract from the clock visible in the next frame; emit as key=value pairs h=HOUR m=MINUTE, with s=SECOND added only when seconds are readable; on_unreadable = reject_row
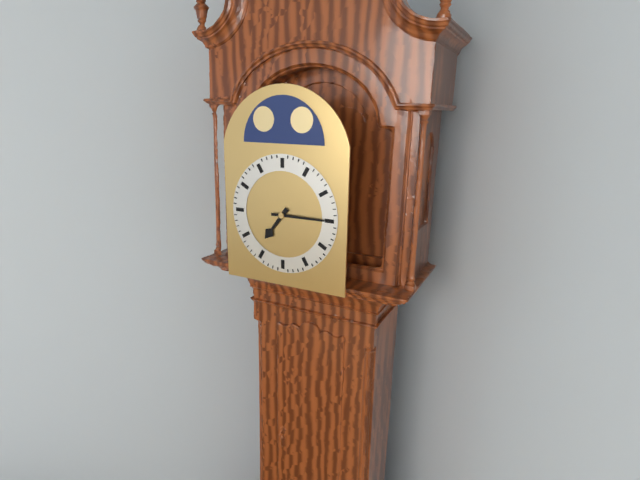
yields h=7 m=15
